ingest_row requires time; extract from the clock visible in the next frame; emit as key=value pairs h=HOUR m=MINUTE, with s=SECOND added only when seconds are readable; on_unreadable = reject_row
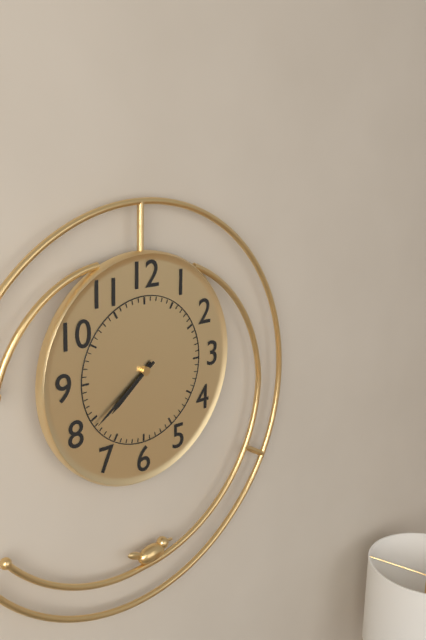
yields h=7 m=39
